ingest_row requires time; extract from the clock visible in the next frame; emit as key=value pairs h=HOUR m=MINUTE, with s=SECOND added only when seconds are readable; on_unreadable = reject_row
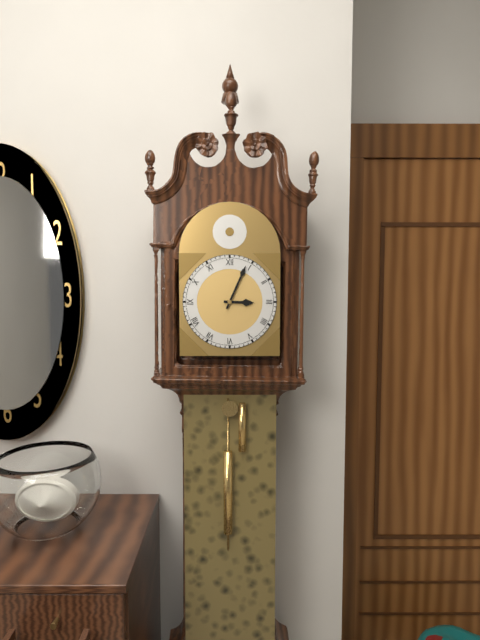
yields h=3 m=4
